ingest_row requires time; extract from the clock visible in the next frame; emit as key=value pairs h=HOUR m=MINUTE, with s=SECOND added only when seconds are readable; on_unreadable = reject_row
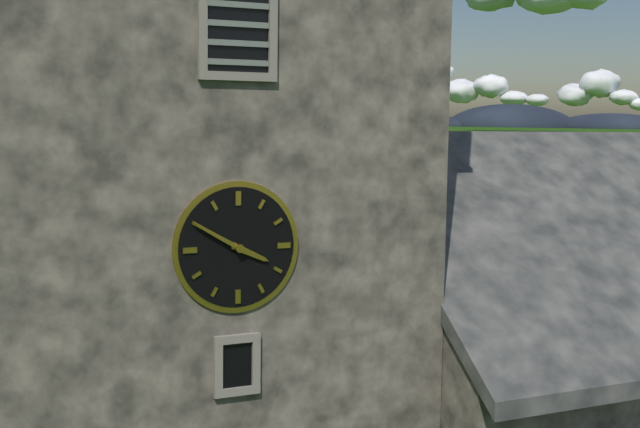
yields h=3 m=50
